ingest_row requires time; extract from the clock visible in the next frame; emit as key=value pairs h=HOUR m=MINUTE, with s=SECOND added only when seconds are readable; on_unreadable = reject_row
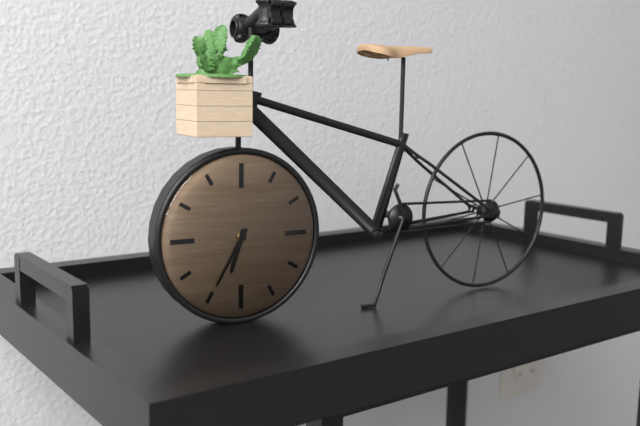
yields h=6 m=35
